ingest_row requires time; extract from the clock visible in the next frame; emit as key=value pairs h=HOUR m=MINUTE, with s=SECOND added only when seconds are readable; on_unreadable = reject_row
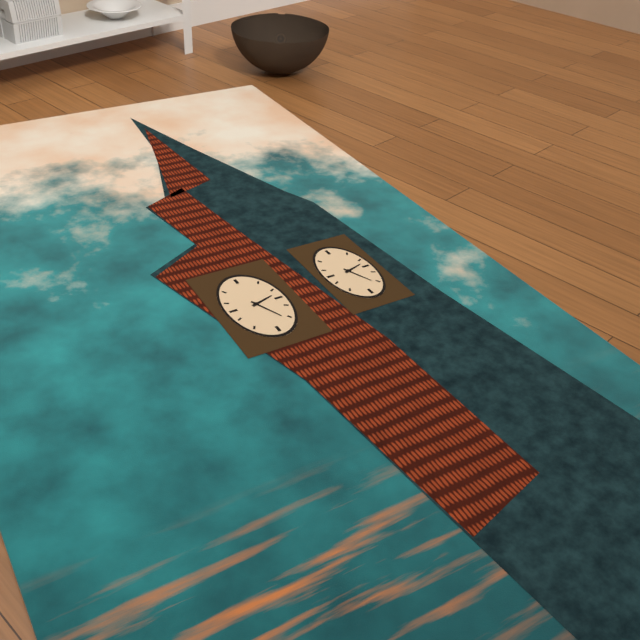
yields h=2 m=26
